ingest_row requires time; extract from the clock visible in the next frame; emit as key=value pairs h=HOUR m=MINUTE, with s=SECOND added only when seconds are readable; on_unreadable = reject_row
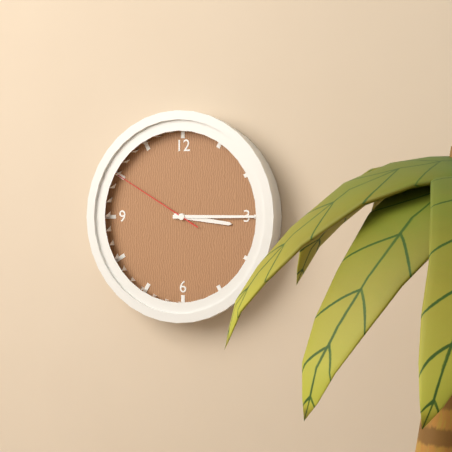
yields h=3 m=15 s=50
